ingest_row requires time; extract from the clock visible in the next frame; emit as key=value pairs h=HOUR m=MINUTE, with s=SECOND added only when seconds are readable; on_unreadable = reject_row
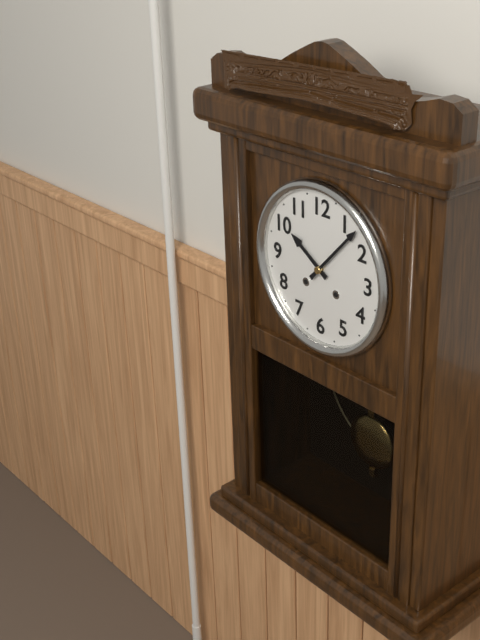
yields h=10 m=7
